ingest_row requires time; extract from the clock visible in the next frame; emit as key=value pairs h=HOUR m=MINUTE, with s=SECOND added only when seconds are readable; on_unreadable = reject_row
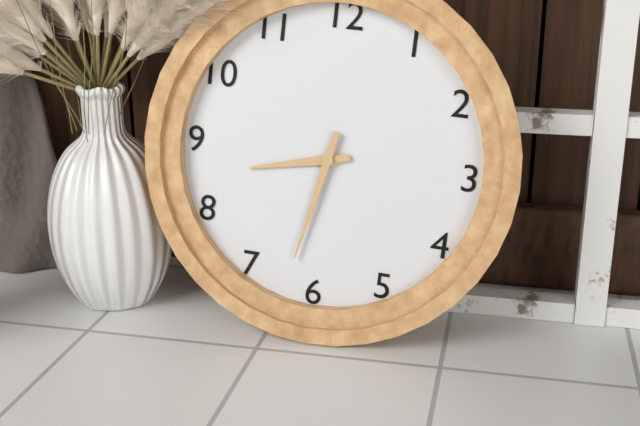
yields h=8 m=32
